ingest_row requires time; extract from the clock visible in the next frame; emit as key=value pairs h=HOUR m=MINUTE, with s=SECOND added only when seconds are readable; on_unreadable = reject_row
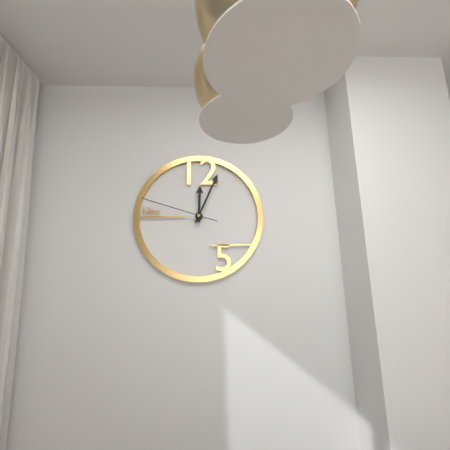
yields h=12 m=4 s=48
